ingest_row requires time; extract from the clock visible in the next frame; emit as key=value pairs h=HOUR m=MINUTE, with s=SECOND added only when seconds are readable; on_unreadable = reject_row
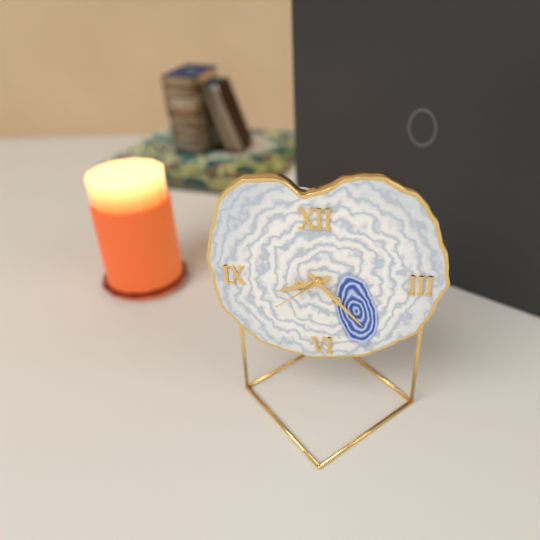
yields h=8 m=23 s=39
